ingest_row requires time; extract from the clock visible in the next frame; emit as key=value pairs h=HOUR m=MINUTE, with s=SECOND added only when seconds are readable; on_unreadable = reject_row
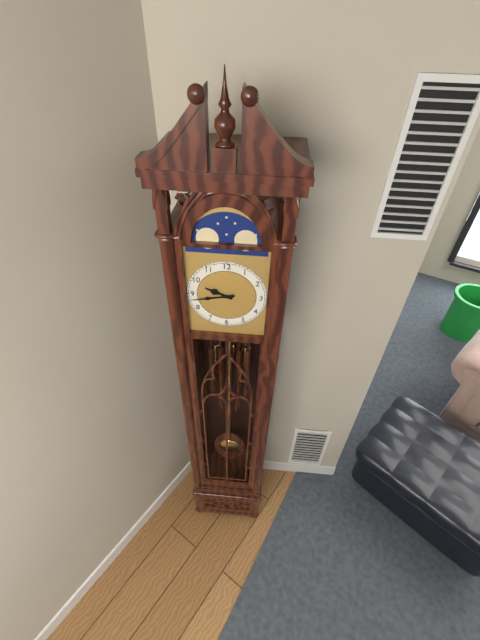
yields h=9 m=43
